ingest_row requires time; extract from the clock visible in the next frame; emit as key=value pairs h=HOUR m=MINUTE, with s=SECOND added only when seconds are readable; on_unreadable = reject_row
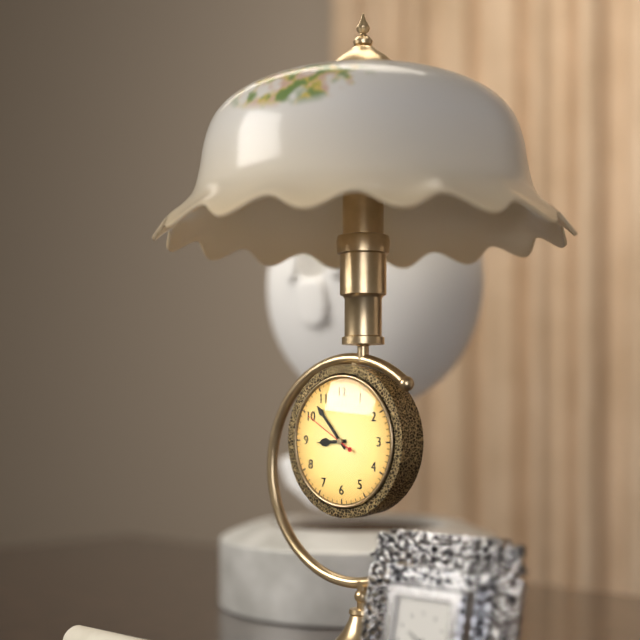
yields h=8 m=53 s=50
